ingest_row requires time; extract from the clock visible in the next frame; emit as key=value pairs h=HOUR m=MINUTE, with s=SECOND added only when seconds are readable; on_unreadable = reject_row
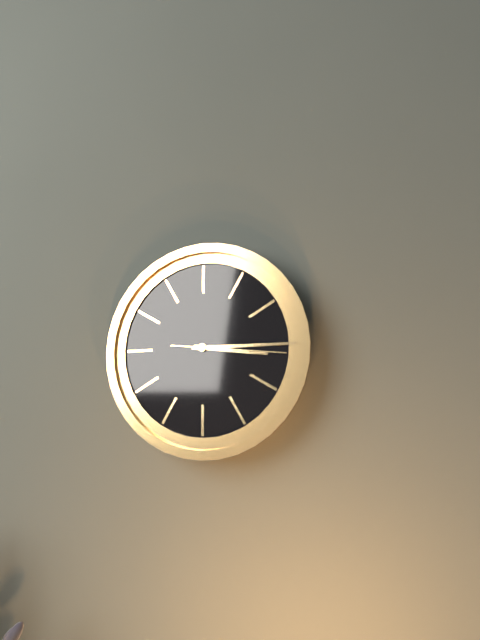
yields h=3 m=15 s=16
